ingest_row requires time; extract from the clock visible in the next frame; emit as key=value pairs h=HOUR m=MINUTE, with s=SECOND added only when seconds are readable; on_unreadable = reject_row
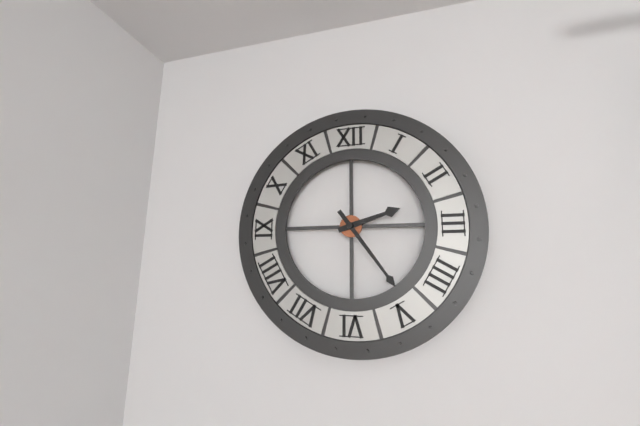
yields h=2 m=24
